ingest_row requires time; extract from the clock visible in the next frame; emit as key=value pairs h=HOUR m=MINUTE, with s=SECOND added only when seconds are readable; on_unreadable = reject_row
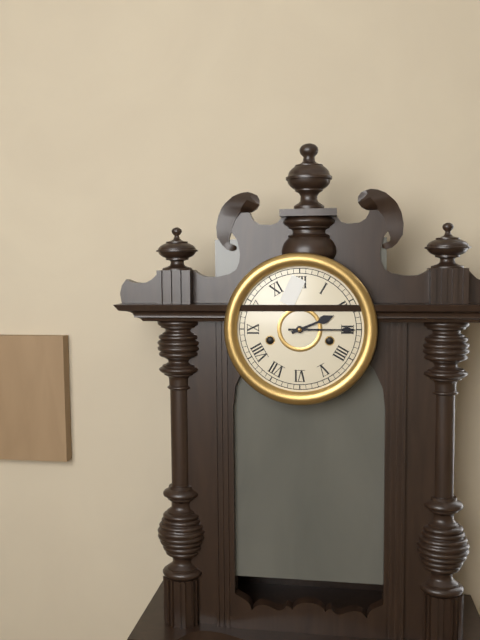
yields h=2 m=15
